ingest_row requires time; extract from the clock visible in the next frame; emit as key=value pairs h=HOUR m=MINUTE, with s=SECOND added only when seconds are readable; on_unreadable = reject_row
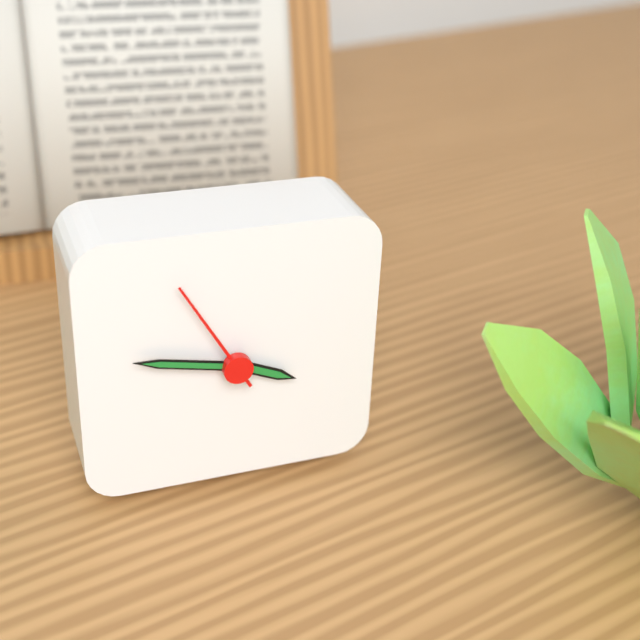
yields h=3 m=47 s=55
